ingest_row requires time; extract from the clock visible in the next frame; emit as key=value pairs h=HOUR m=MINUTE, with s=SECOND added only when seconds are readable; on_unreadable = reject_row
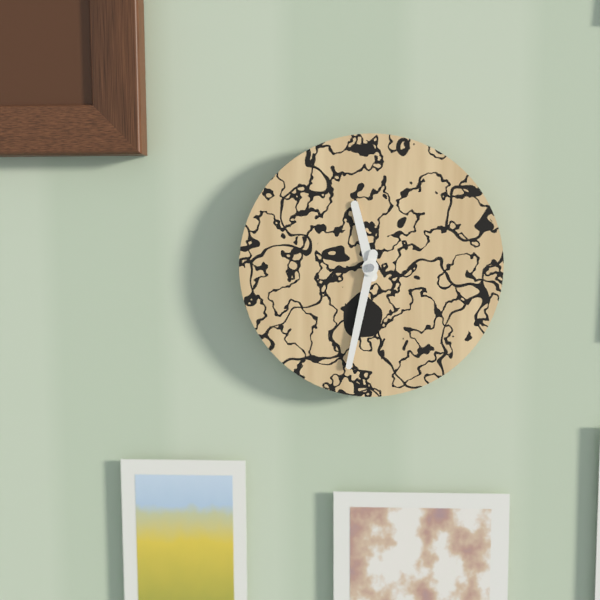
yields h=11 m=32
